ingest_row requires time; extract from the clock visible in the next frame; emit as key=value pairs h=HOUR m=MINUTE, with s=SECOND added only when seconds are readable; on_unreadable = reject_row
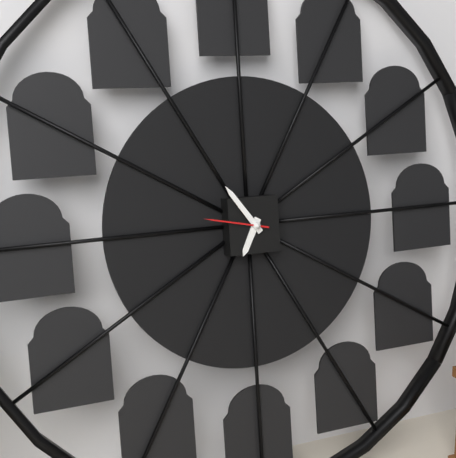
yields h=6 m=54 s=47
